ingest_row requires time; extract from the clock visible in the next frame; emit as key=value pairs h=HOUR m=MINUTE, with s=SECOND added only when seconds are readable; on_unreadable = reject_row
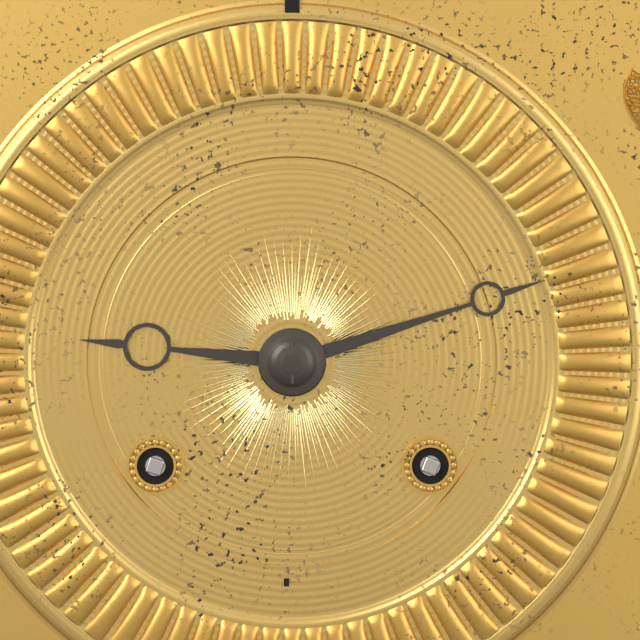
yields h=9 m=12
